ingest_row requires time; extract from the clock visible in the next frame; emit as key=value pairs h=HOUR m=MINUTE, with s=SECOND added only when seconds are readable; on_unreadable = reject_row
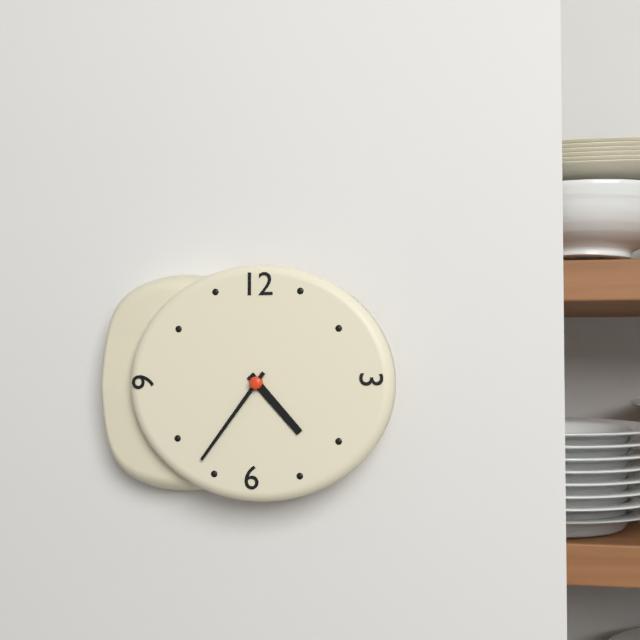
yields h=4 m=36
